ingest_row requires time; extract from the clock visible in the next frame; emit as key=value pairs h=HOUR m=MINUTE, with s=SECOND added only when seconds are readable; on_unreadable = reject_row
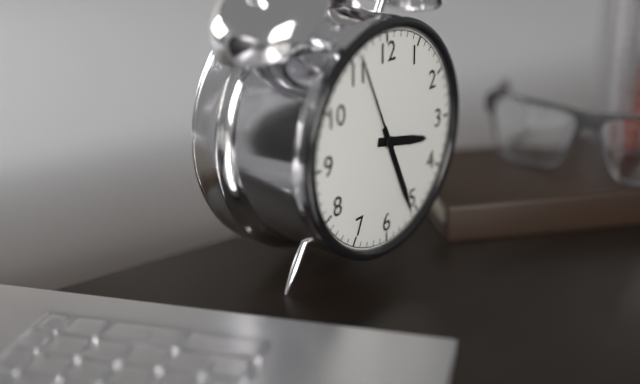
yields h=3 m=26 s=56
